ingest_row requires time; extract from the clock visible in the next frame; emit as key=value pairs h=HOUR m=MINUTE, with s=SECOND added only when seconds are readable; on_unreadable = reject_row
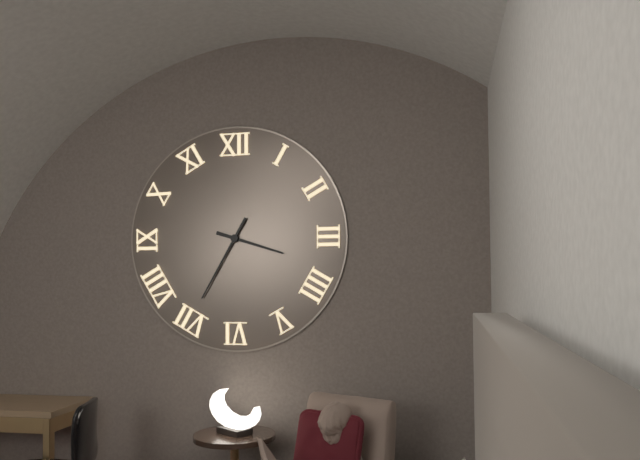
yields h=3 m=35
